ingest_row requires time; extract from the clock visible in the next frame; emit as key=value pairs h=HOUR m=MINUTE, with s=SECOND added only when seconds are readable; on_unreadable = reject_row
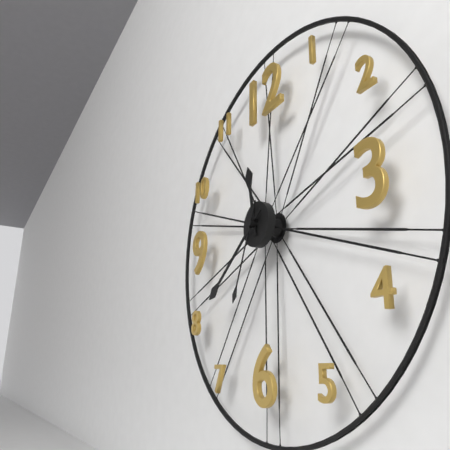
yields h=11 m=39 s=34
